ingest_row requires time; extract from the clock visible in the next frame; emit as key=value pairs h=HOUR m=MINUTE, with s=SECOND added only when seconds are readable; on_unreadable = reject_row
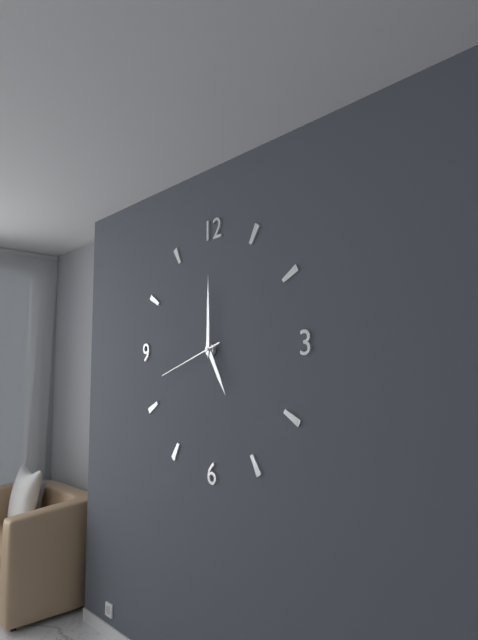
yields h=5 m=0 s=42
